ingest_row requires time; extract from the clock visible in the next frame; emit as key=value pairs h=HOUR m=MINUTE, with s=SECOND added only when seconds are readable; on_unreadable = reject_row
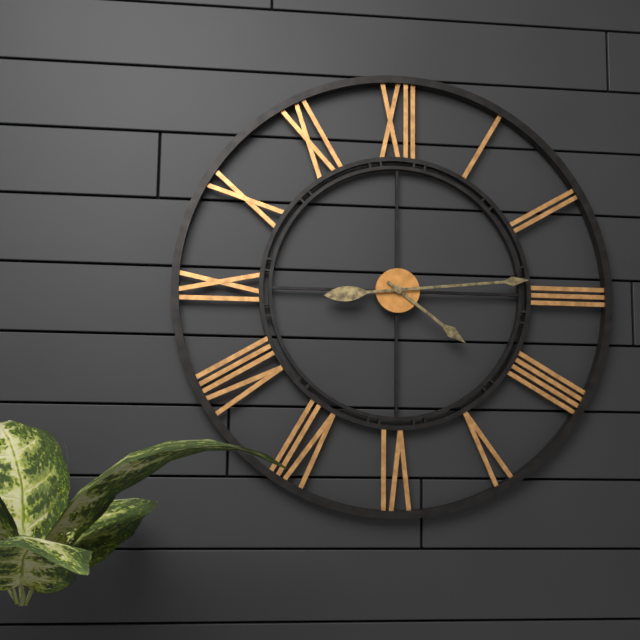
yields h=4 m=14
